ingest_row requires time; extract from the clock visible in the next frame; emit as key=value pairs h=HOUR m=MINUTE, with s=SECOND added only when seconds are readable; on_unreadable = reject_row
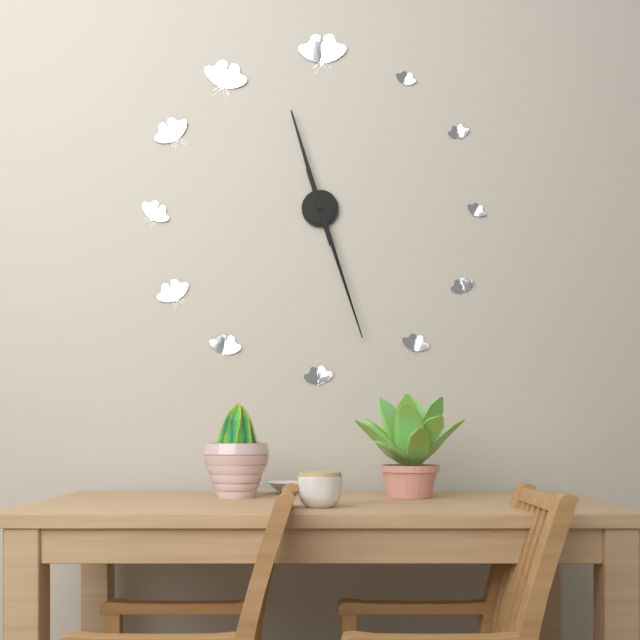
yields h=11 m=27
